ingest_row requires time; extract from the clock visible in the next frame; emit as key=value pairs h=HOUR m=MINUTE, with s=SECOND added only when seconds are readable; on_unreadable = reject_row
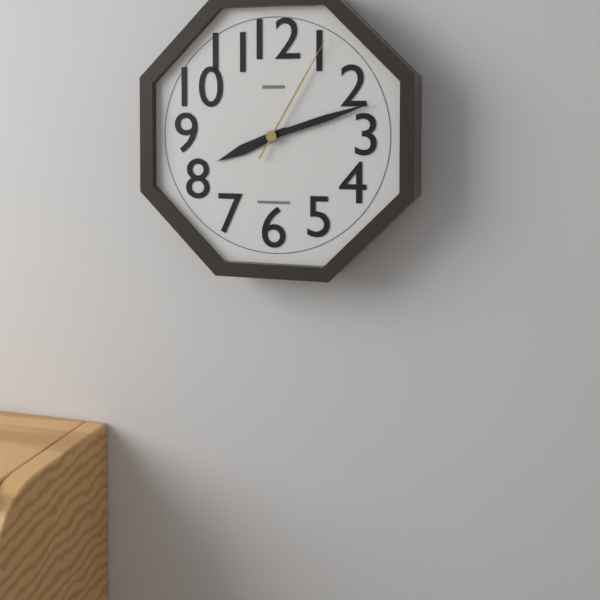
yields h=8 m=12 s=5
